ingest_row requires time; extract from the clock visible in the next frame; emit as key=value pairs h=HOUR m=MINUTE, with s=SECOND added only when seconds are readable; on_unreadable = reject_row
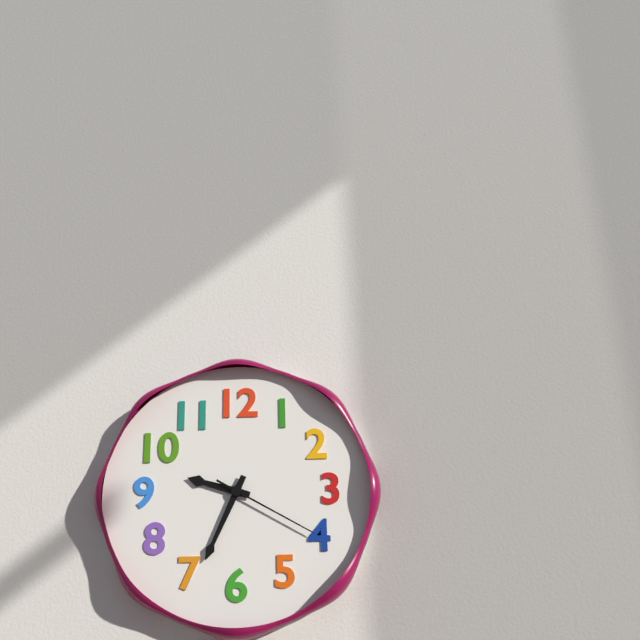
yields h=9 m=34 s=20
